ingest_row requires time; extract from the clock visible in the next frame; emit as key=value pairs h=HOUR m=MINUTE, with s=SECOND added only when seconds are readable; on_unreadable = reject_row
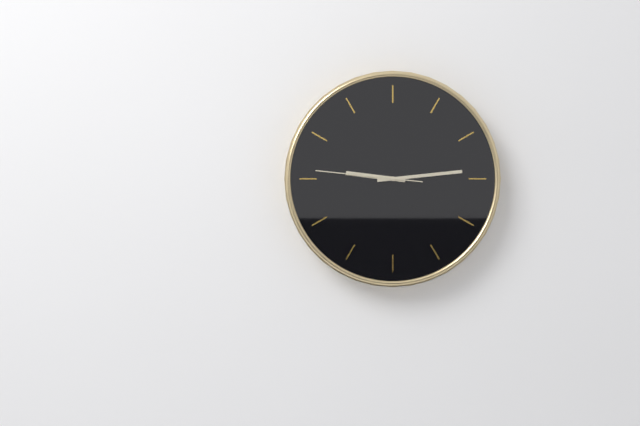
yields h=9 m=14 s=46
